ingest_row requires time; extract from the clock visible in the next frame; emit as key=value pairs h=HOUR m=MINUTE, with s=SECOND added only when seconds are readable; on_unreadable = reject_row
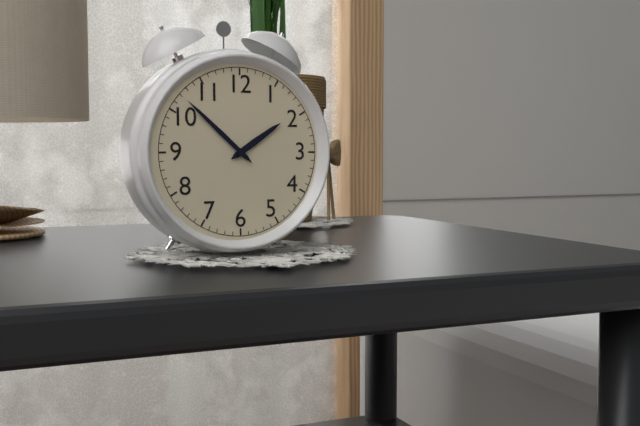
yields h=1 m=52
